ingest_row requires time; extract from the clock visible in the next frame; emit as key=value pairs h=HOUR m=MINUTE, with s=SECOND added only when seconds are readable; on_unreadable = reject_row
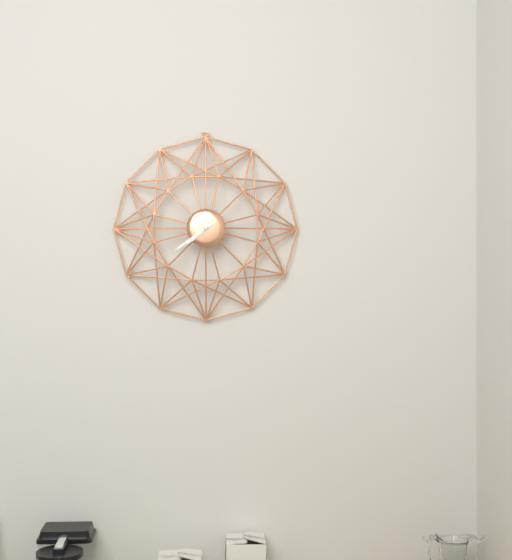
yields h=7 m=39
